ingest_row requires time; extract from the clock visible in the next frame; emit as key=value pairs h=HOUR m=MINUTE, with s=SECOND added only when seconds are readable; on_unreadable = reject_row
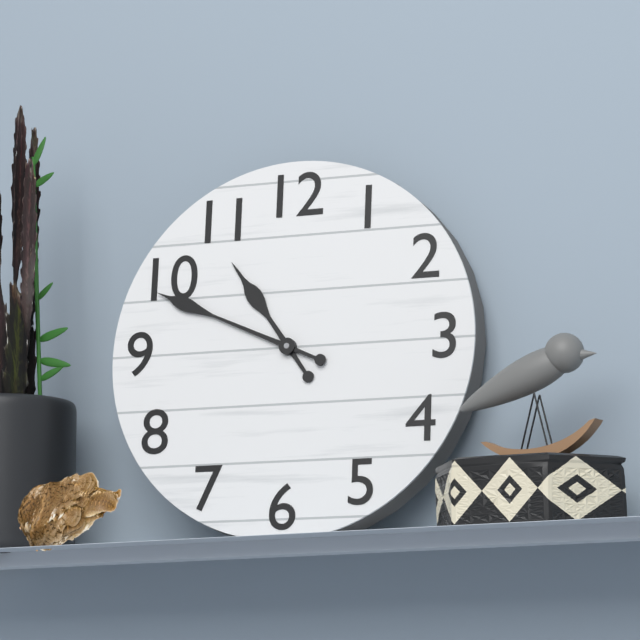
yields h=10 m=49
